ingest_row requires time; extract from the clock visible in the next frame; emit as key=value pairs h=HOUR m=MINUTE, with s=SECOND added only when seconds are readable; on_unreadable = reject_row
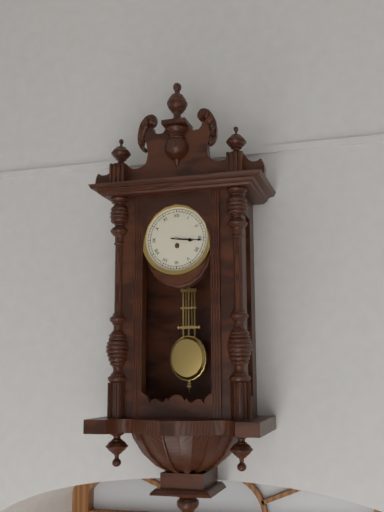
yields h=3 m=16
